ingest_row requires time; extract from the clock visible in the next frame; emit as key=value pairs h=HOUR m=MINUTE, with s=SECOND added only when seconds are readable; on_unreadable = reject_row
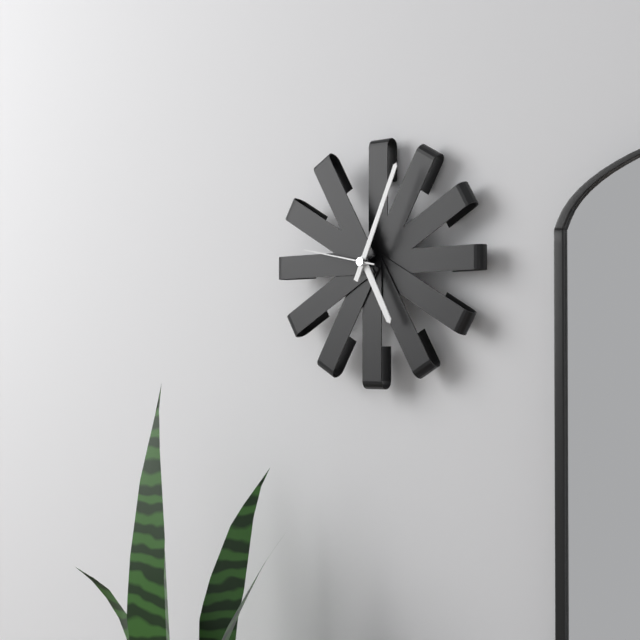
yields h=5 m=4 s=47
